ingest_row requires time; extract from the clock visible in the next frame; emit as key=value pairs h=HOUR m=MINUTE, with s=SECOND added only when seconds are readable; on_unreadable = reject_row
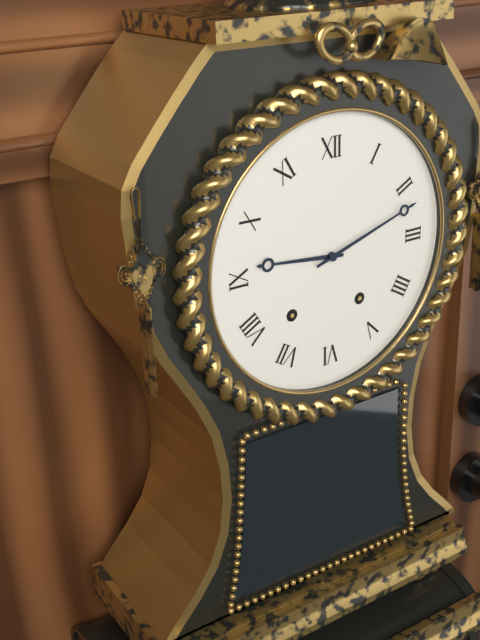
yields h=9 m=12
